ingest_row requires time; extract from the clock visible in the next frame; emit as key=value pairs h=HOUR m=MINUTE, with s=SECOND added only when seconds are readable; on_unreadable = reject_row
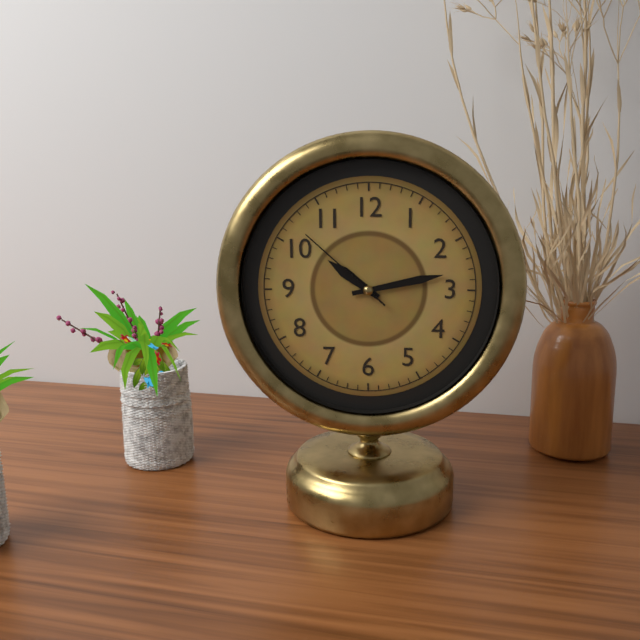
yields h=10 m=13 s=52
